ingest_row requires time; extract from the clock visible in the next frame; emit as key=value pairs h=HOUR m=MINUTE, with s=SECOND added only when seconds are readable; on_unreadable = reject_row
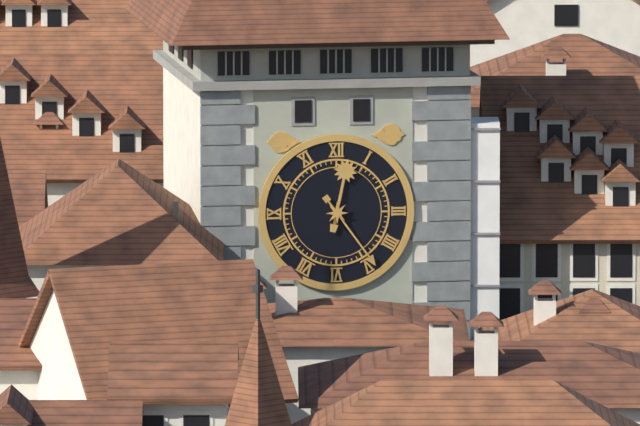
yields h=12 m=24
